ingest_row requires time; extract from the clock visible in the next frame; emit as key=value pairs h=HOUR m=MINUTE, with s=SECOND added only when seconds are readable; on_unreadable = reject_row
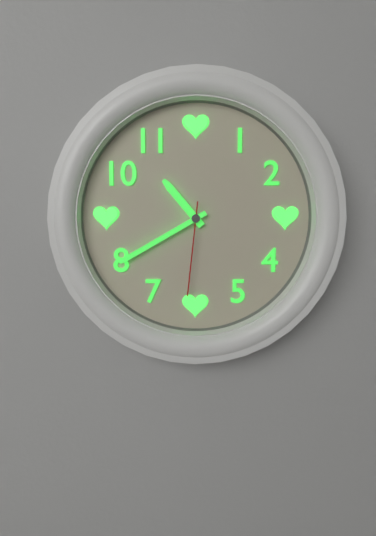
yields h=10 m=40 s=31
